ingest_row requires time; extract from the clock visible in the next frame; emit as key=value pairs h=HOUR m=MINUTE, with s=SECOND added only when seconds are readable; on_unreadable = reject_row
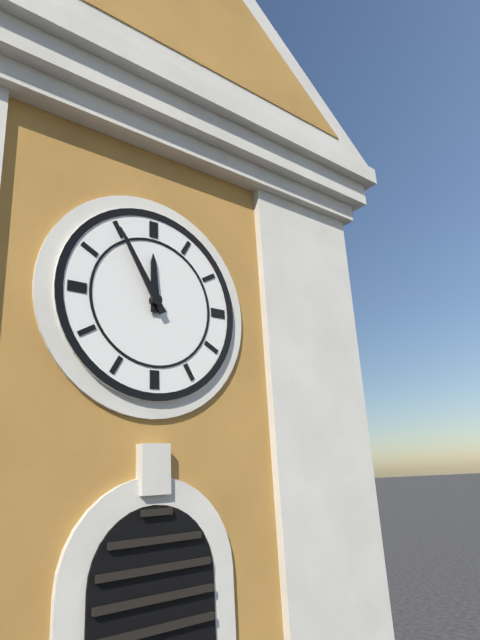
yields h=11 m=55
